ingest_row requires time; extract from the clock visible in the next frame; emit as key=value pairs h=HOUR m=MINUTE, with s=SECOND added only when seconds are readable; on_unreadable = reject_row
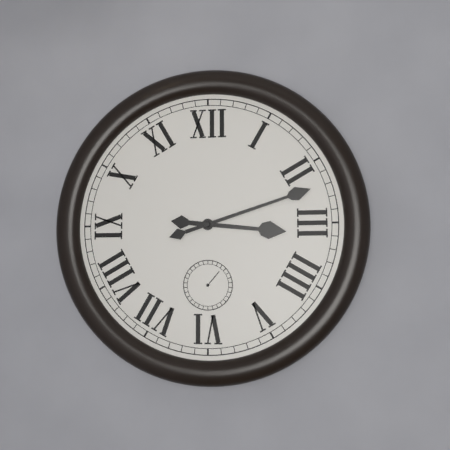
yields h=3 m=12
